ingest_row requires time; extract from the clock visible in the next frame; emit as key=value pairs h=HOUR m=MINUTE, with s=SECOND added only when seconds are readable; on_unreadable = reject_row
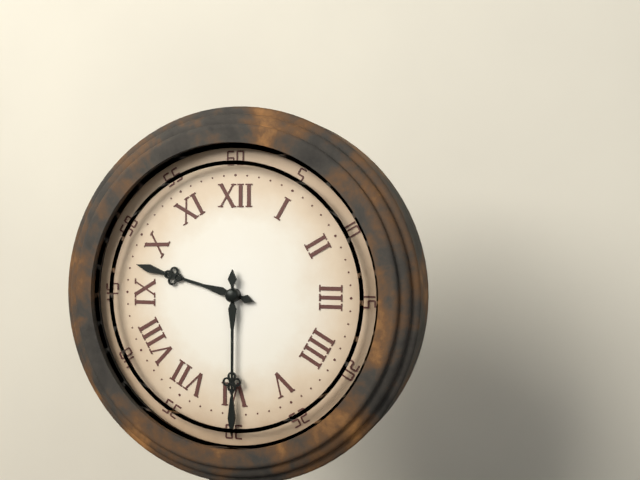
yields h=9 m=30
